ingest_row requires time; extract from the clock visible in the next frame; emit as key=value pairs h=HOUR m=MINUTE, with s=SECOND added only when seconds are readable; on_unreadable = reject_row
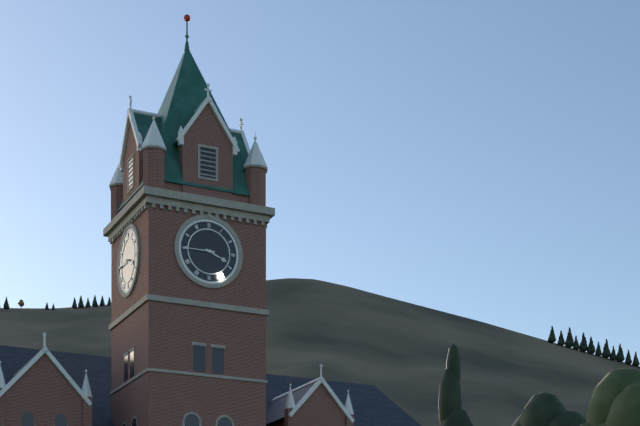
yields h=3 m=45
